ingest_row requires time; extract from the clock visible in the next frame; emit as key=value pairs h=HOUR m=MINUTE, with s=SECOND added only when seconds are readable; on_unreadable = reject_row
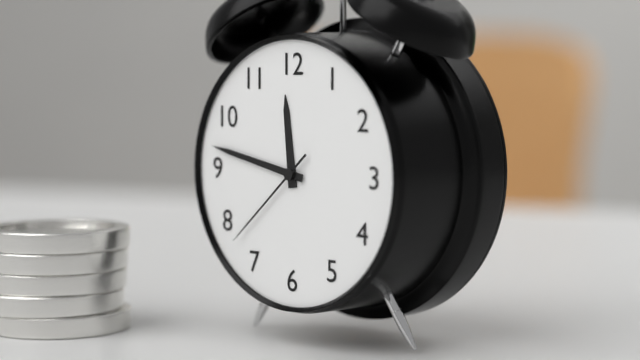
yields h=11 m=47 s=38
